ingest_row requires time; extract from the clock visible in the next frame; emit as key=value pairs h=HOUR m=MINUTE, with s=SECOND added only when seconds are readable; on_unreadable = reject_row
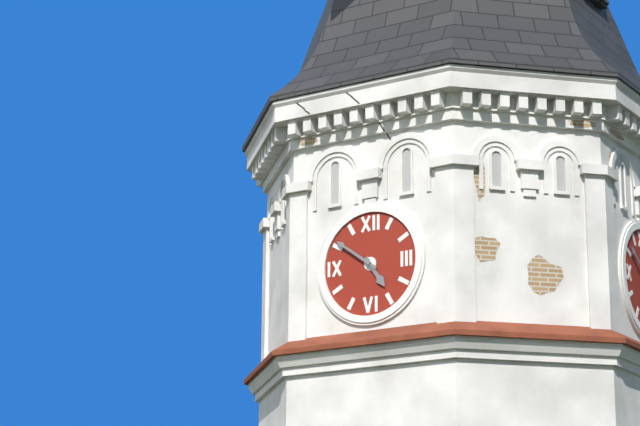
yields h=4 m=51
